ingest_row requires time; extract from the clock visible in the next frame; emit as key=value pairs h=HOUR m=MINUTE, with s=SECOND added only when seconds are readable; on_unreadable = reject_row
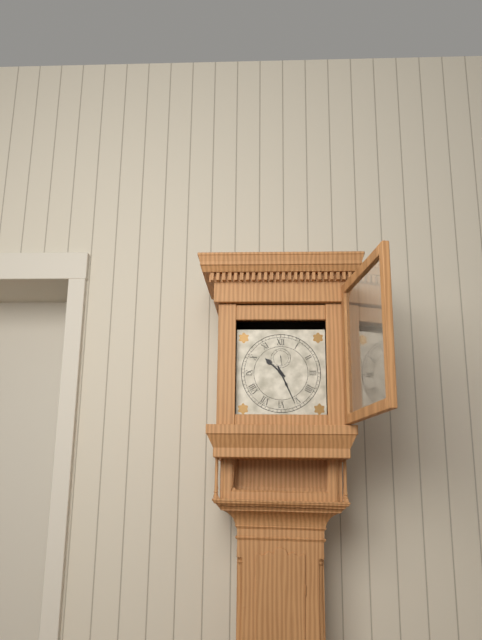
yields h=10 m=26
